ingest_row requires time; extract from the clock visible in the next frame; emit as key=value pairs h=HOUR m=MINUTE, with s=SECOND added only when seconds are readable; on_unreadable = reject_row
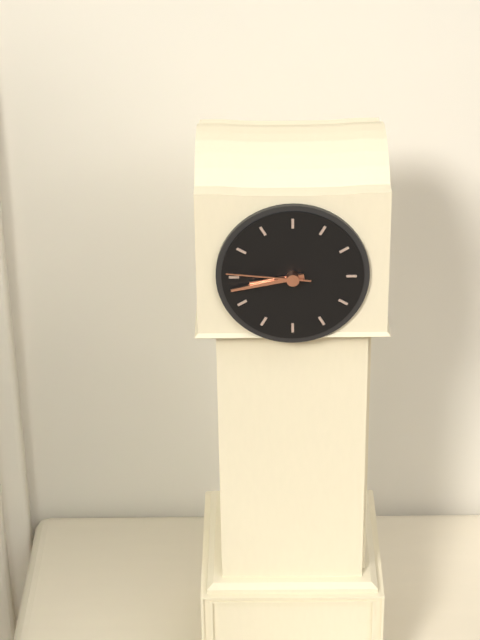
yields h=8 m=43 s=46
